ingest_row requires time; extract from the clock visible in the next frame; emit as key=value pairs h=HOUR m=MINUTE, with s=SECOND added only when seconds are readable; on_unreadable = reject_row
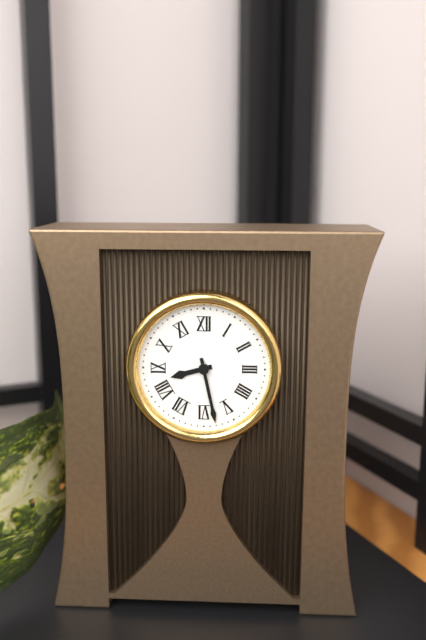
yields h=8 m=28
